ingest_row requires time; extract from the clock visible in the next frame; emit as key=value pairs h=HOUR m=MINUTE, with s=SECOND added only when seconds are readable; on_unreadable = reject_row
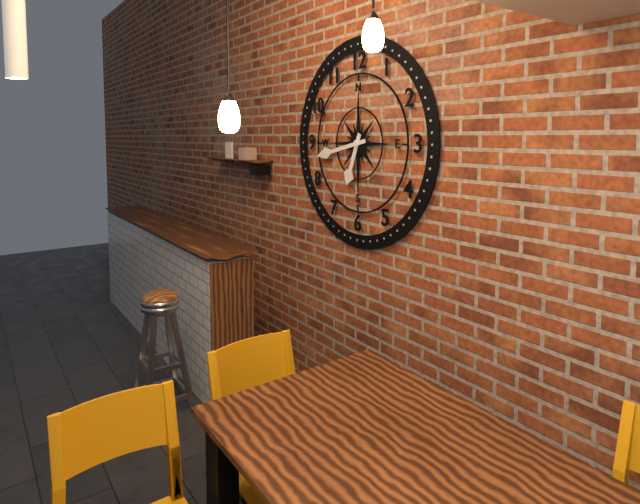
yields h=6 m=43
